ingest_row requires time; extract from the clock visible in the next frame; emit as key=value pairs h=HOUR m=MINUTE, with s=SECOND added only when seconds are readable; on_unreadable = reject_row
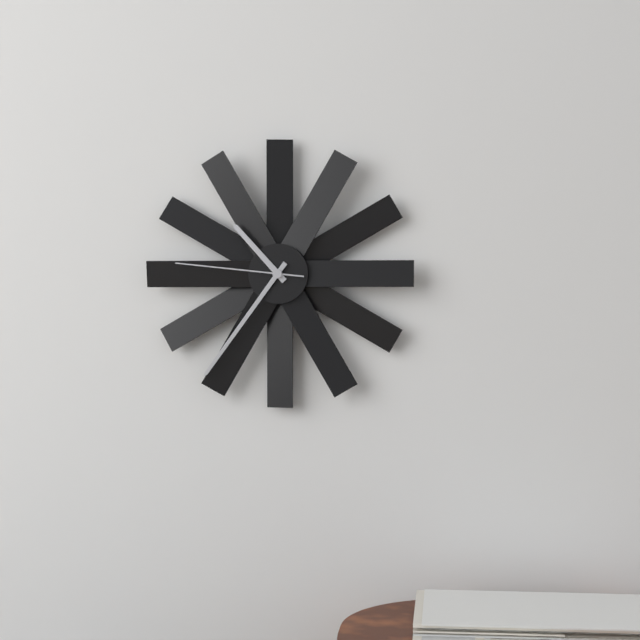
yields h=10 m=36 s=46
